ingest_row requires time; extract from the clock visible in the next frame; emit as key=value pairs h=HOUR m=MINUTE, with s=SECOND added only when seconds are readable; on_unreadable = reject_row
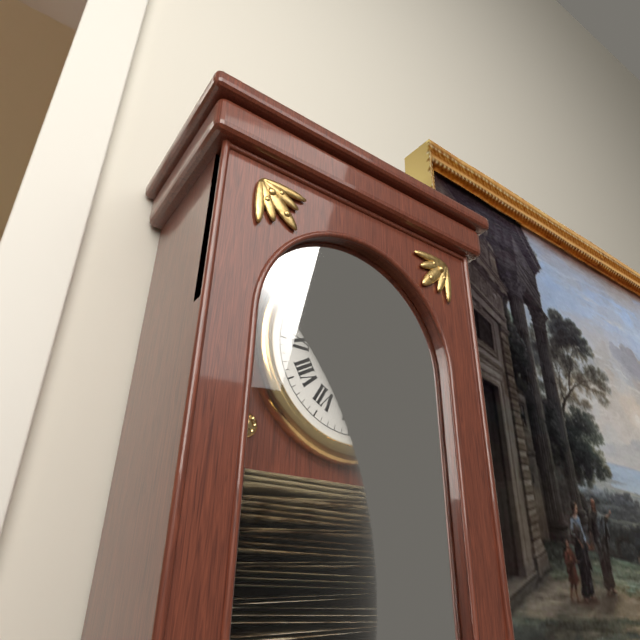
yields h=10 m=25
